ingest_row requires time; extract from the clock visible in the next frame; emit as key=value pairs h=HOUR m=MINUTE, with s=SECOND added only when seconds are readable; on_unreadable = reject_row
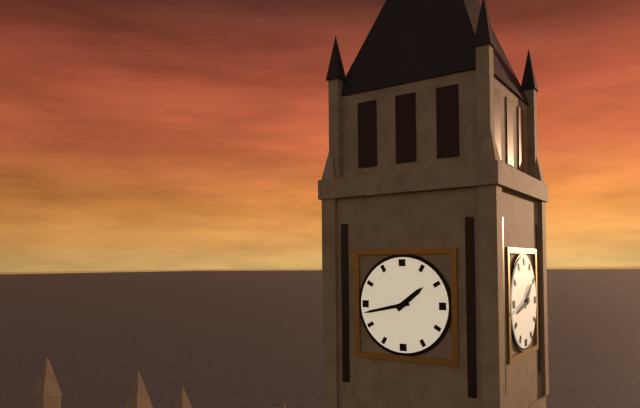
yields h=1 m=43
